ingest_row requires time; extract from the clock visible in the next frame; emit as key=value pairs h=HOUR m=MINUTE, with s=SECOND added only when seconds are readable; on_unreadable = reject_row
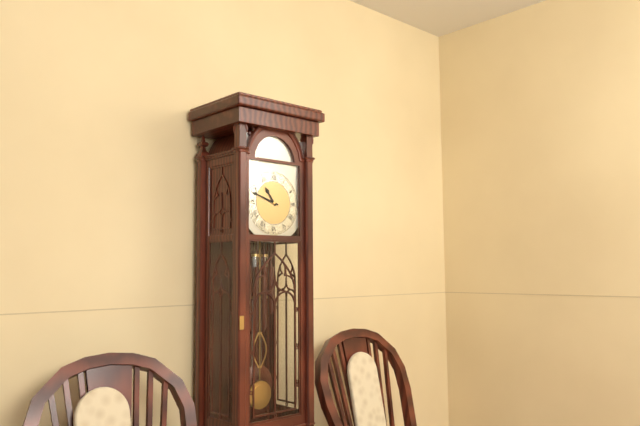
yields h=10 m=48
